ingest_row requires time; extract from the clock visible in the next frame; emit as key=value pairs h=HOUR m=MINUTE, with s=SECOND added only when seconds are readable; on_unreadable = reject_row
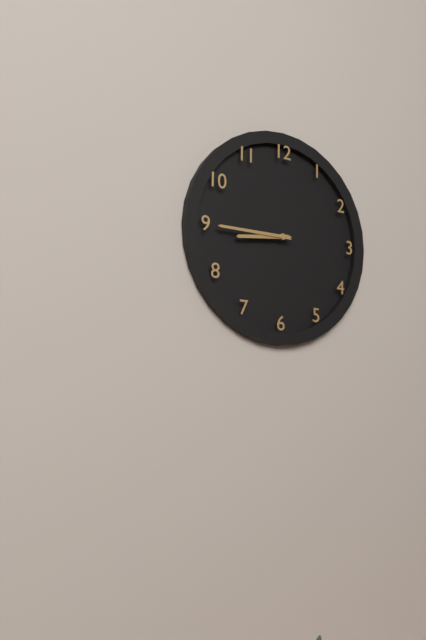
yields h=8 m=45
